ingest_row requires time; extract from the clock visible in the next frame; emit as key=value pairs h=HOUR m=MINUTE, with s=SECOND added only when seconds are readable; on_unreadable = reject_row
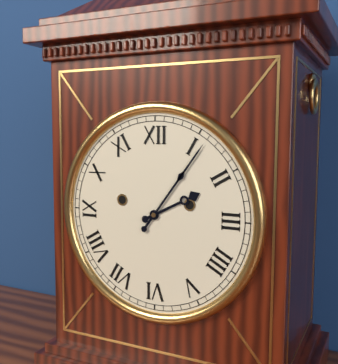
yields h=2 m=6
